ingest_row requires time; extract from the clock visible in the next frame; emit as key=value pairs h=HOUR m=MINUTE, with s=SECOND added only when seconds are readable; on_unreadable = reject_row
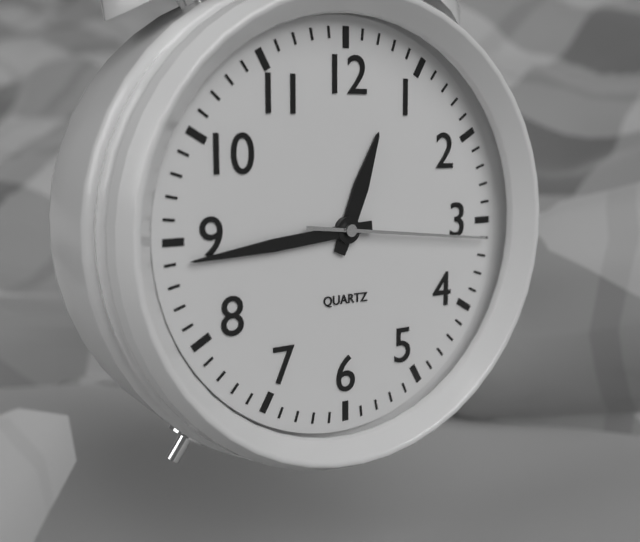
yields h=12 m=44 s=16
